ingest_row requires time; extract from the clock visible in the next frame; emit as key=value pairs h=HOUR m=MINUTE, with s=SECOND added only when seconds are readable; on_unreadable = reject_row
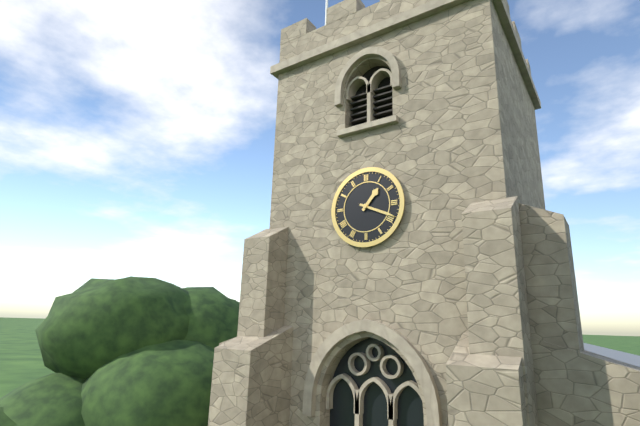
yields h=1 m=19
